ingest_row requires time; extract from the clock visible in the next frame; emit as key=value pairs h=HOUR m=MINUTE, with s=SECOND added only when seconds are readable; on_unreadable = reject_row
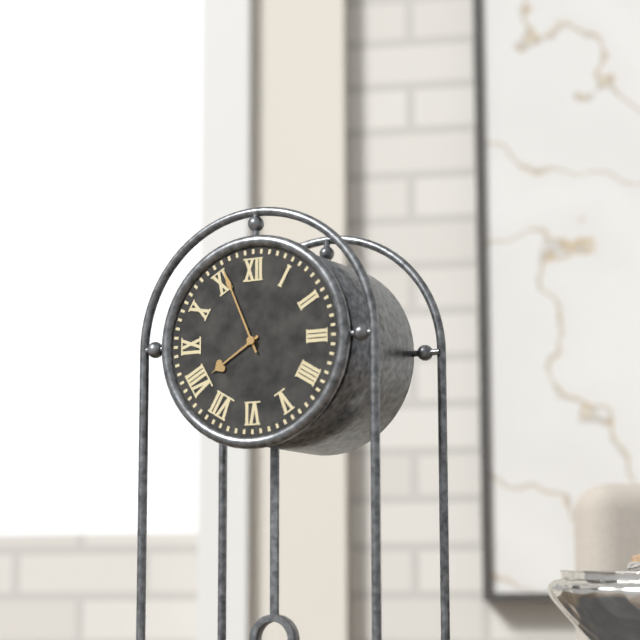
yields h=7 m=56
